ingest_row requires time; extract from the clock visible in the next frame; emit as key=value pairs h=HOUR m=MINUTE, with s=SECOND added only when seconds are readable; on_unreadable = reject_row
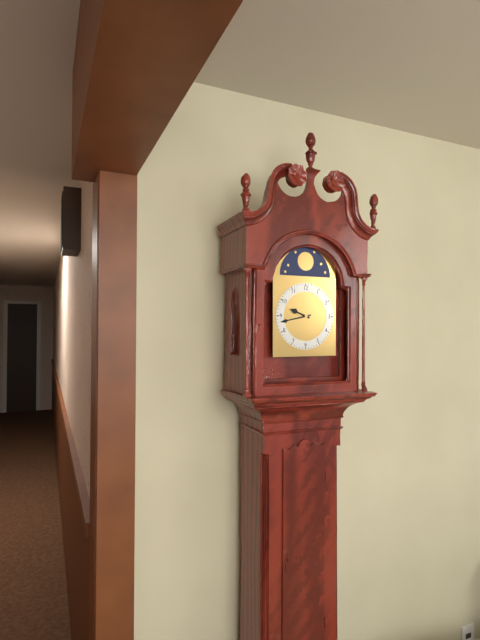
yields h=9 m=43
